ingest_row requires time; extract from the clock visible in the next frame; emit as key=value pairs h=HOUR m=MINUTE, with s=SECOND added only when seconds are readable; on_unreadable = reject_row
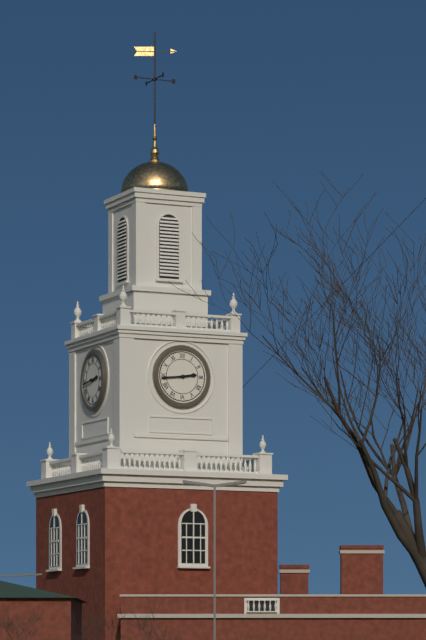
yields h=2 m=44
